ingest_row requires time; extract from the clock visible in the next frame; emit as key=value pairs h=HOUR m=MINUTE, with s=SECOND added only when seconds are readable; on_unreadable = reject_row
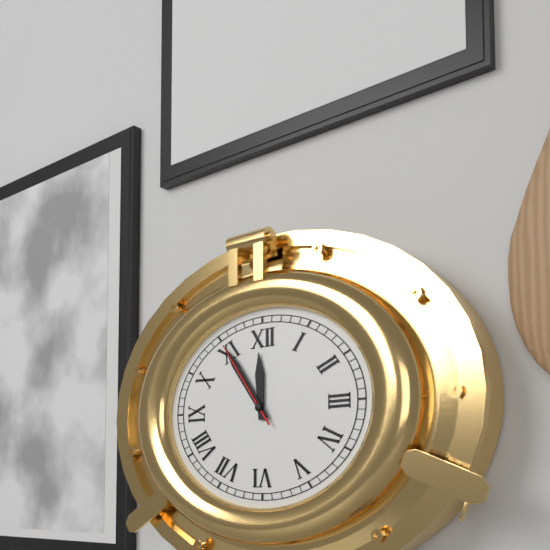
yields h=11 m=54 s=54
